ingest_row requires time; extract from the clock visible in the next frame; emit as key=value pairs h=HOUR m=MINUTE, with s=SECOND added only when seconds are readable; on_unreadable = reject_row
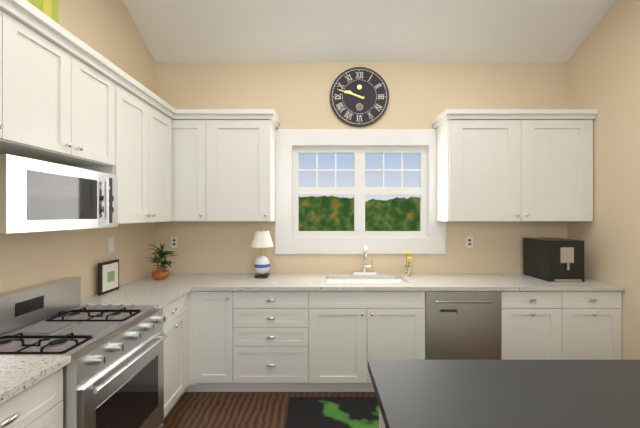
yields h=9 m=48
